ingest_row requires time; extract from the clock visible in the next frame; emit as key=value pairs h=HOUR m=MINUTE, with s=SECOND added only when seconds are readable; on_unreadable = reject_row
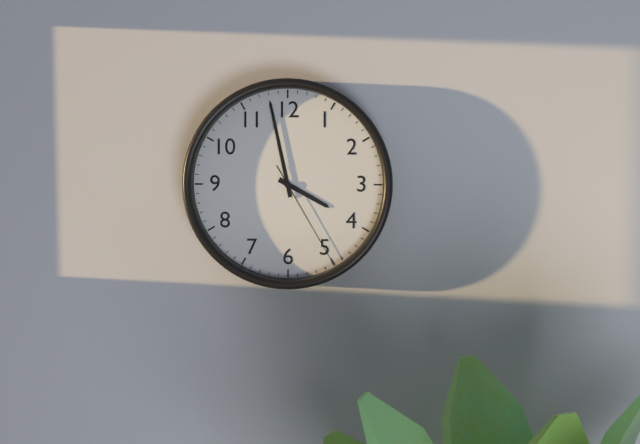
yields h=3 m=58 s=25
